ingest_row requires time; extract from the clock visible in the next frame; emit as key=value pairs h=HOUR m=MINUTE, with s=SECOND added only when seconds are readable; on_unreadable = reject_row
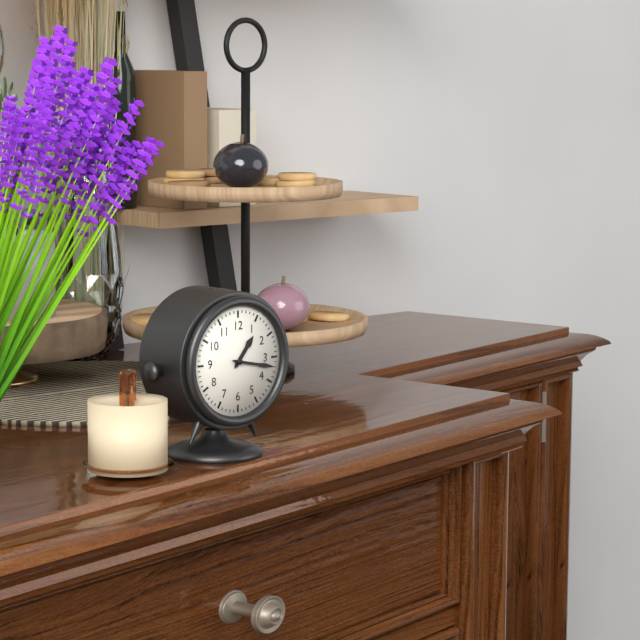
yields h=1 m=17
